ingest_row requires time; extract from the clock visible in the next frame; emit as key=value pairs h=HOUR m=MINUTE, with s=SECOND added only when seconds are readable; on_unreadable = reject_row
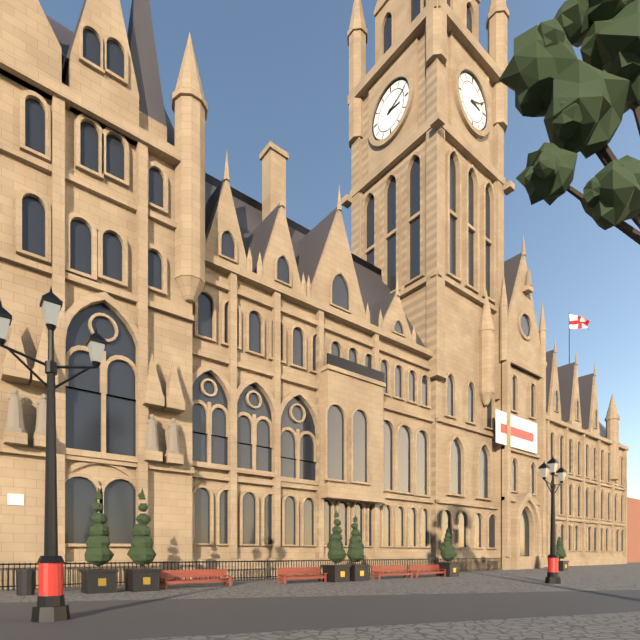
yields h=3 m=11
